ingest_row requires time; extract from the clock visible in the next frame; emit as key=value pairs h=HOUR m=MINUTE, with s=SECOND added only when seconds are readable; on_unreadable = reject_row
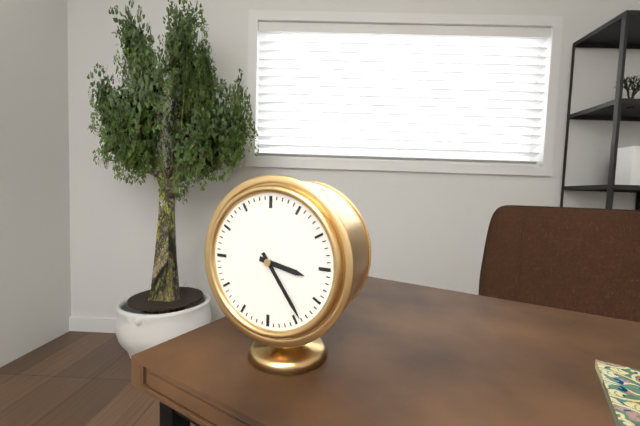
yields h=3 m=24
